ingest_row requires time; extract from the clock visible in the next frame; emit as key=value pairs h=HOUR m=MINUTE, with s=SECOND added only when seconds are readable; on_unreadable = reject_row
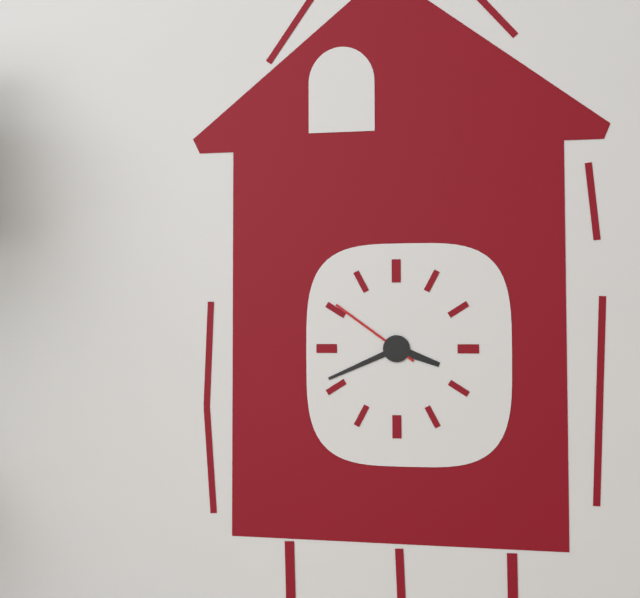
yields h=3 m=41 s=51
